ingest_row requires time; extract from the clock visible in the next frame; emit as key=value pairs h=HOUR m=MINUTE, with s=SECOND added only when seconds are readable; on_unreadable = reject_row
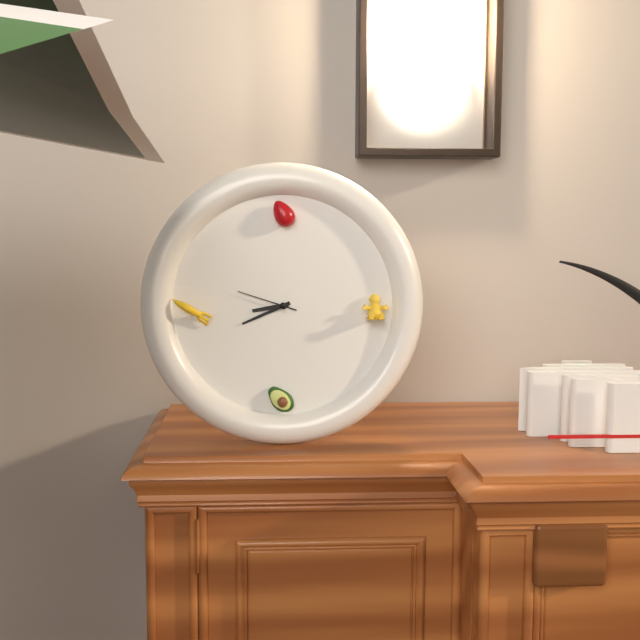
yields h=8 m=41 s=48
